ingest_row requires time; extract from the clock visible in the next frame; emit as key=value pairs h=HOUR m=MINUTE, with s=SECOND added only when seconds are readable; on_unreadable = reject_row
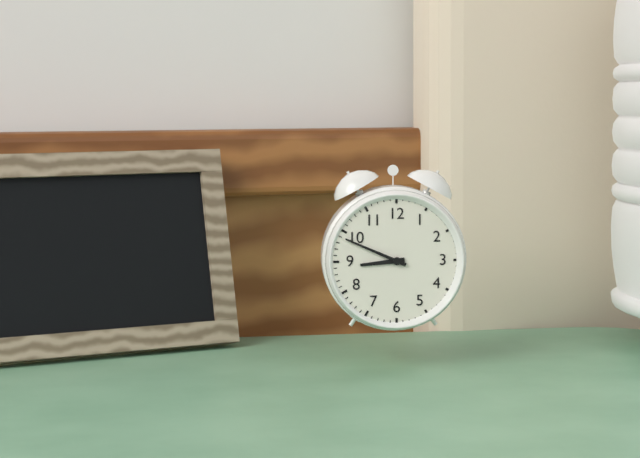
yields h=8 m=49
